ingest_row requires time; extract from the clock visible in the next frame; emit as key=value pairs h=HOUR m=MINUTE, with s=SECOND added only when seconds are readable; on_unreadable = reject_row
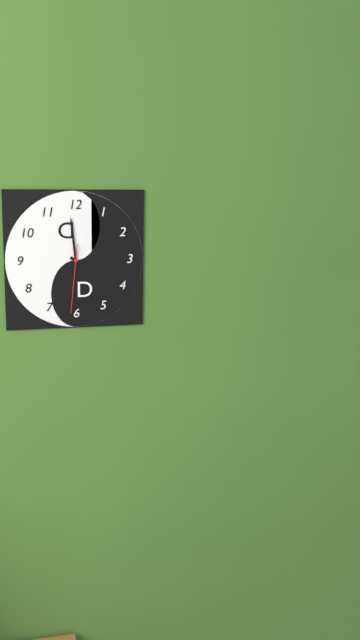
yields h=3 m=59 s=31
